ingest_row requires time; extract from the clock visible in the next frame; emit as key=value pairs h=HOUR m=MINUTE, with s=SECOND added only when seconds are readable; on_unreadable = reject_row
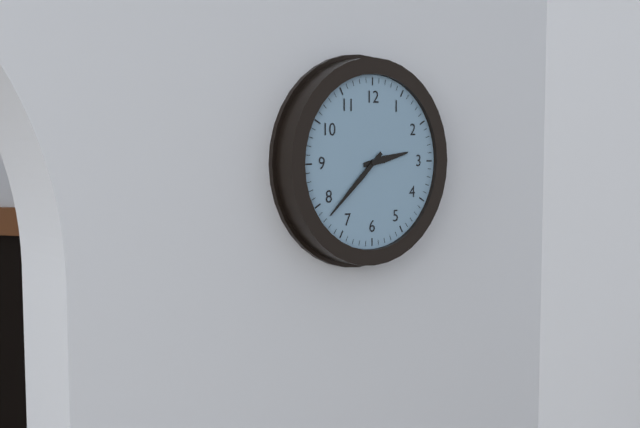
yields h=2 m=38
